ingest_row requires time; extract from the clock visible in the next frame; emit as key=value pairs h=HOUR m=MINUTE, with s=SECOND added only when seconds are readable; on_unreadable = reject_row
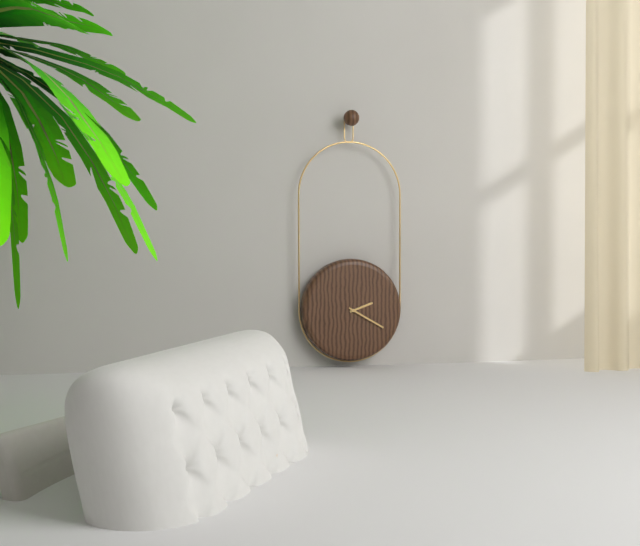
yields h=2 m=20
